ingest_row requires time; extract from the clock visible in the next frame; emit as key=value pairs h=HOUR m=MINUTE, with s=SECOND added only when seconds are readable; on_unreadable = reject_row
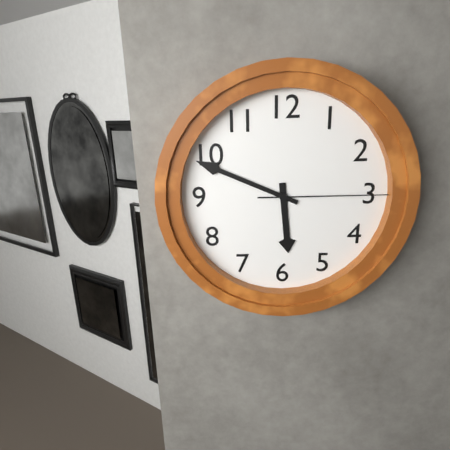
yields h=5 m=49 s=15
